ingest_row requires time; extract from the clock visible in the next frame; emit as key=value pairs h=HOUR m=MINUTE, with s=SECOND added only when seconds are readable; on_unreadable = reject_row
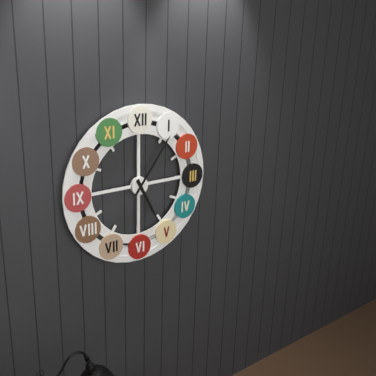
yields h=5 m=6
